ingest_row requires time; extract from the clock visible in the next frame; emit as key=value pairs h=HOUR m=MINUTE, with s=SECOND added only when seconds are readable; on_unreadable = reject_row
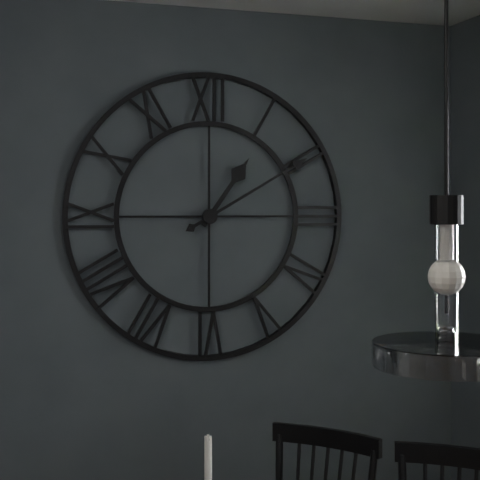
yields h=1 m=10
